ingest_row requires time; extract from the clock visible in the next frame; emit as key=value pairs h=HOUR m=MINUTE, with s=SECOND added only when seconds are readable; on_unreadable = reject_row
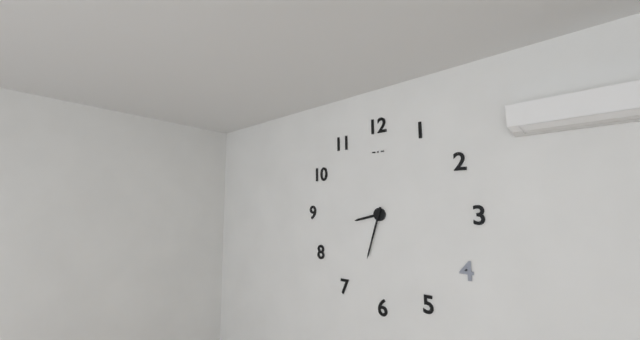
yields h=8 m=33
